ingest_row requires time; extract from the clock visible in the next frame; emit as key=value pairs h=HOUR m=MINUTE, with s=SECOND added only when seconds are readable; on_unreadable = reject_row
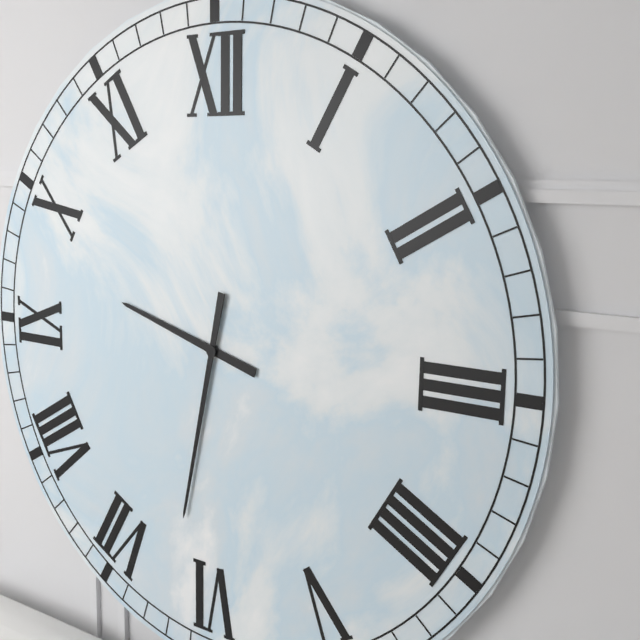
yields h=9 m=32
